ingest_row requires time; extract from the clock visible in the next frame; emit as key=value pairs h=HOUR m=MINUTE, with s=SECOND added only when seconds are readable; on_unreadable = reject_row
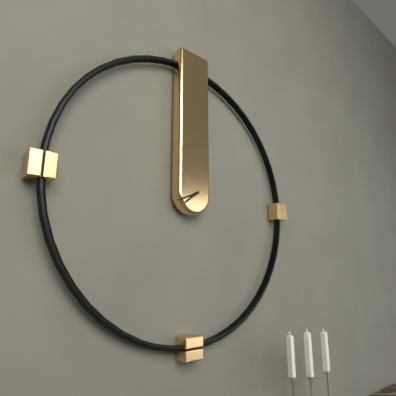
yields h=7 m=41
